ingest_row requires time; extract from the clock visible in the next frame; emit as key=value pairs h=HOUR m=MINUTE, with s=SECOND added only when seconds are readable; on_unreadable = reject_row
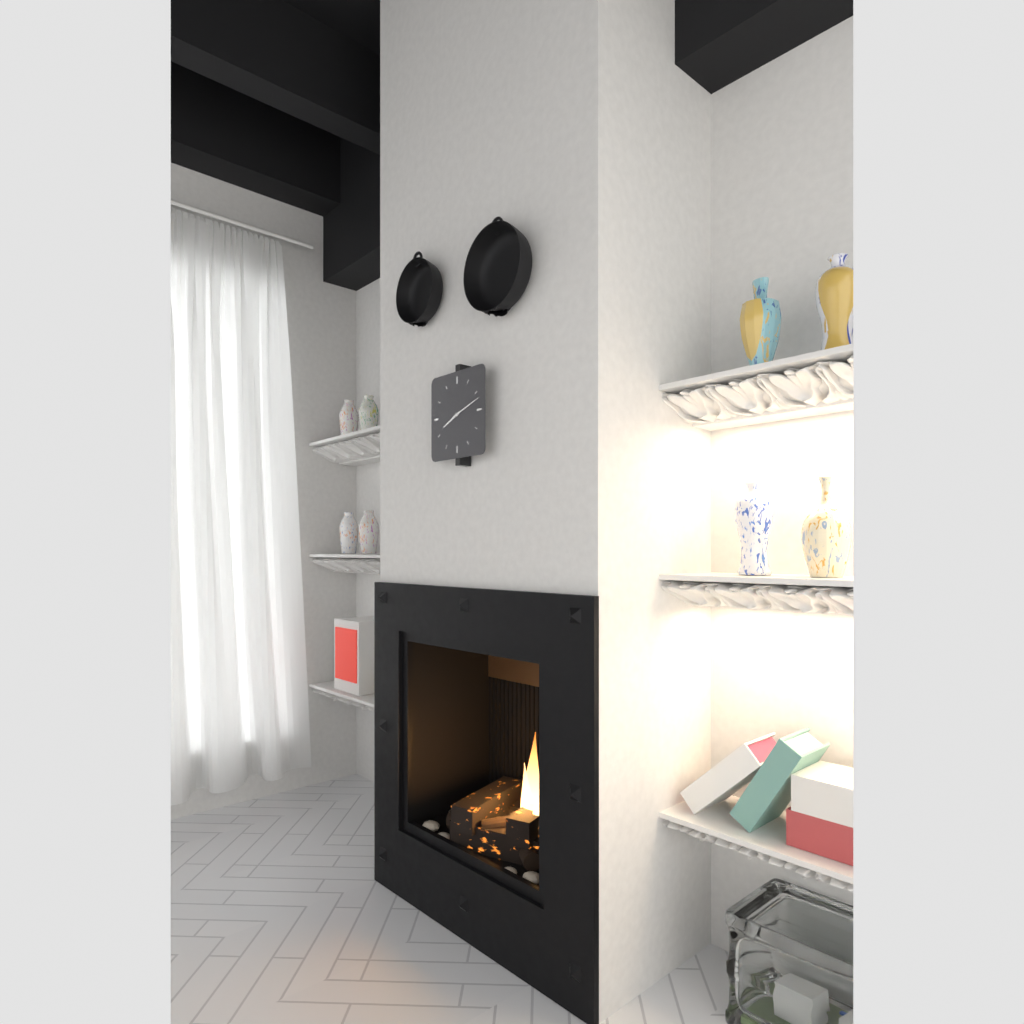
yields h=8 m=12
